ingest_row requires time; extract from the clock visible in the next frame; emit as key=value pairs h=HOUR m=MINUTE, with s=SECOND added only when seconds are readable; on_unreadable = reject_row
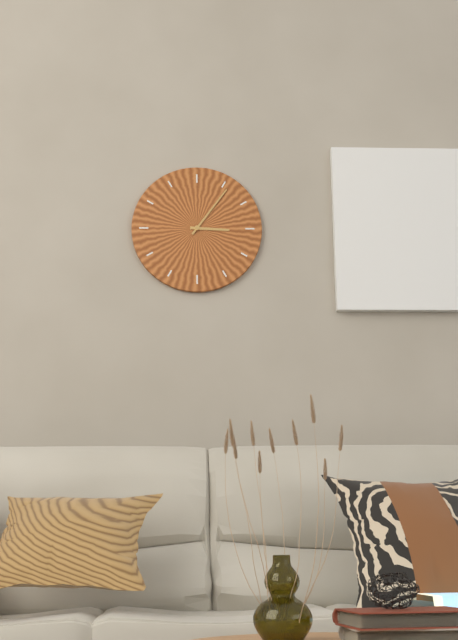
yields h=3 m=6
